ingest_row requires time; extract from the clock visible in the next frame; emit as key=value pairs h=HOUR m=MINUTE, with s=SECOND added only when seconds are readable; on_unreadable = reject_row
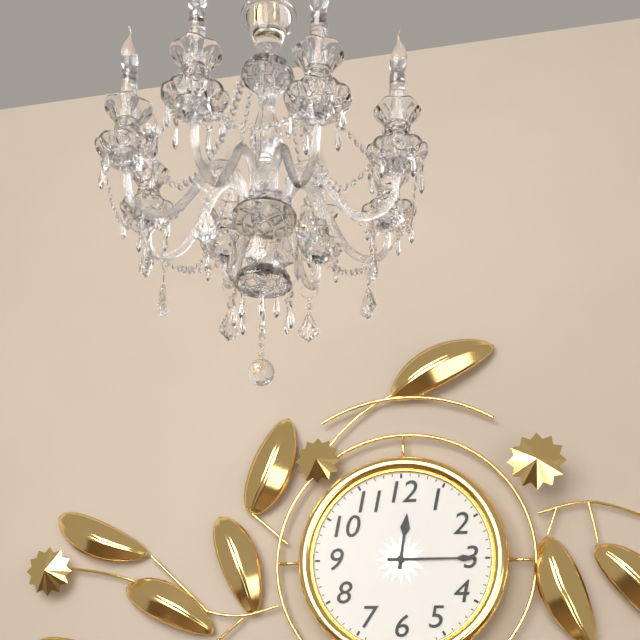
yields h=12 m=15
